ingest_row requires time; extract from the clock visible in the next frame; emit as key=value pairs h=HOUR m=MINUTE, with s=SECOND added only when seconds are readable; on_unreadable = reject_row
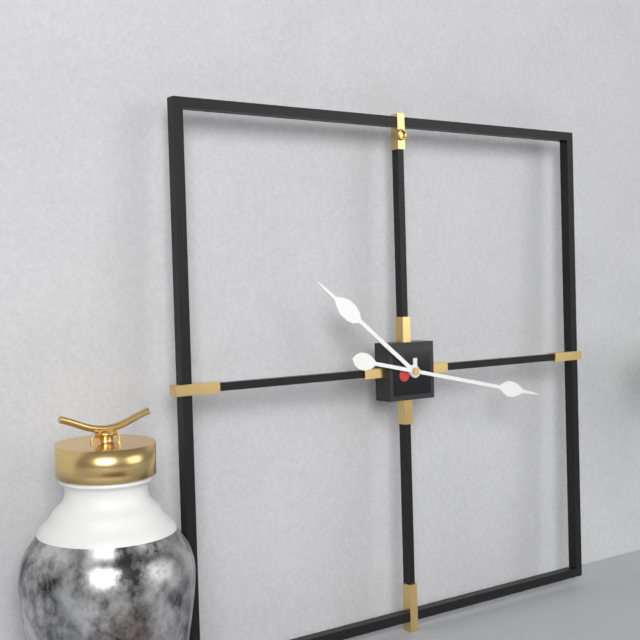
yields h=10 m=17
